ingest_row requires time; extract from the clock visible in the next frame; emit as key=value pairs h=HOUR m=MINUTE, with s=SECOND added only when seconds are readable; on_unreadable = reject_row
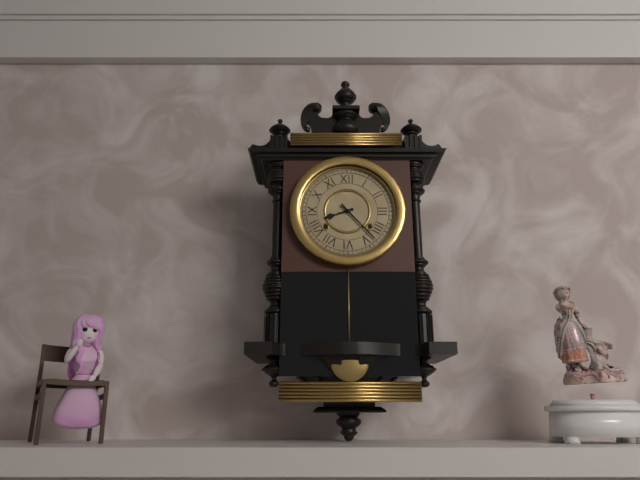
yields h=8 m=23
